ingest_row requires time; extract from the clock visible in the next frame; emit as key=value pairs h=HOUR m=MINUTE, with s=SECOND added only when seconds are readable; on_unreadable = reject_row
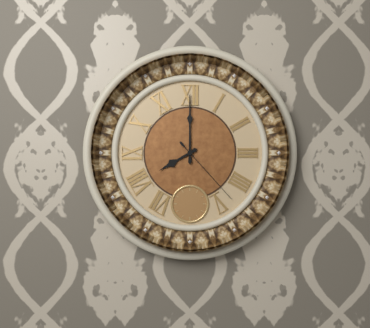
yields h=8 m=0 s=23
